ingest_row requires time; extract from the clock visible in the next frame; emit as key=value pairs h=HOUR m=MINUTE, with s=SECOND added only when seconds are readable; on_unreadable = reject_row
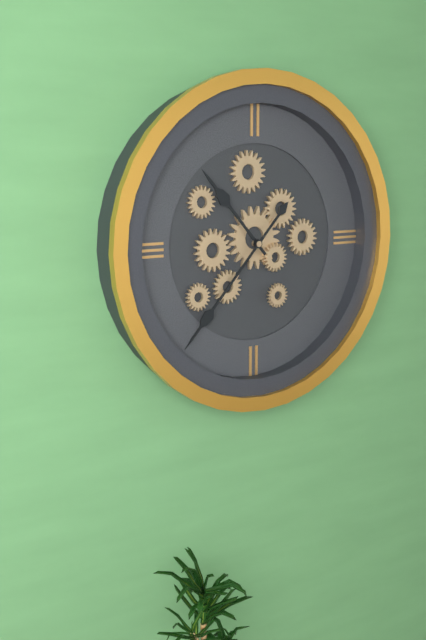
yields h=10 m=37
